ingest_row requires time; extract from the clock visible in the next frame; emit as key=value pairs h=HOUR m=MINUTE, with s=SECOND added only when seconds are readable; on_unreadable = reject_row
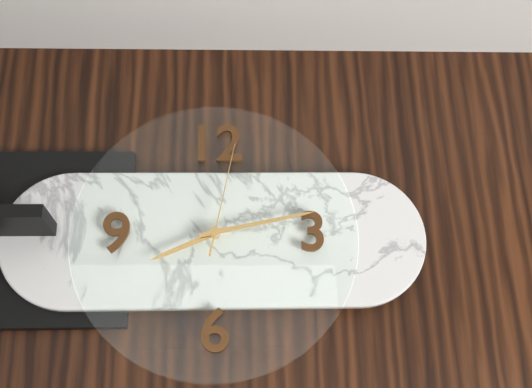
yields h=8 m=13 s=2
